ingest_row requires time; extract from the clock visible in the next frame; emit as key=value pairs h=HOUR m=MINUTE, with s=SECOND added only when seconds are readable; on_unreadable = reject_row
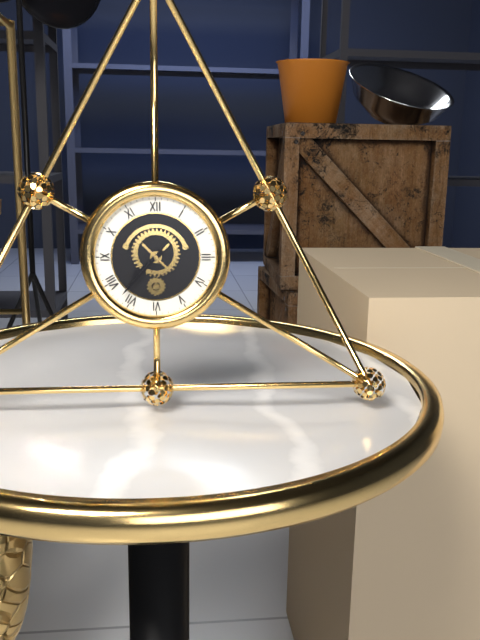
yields h=7 m=37
